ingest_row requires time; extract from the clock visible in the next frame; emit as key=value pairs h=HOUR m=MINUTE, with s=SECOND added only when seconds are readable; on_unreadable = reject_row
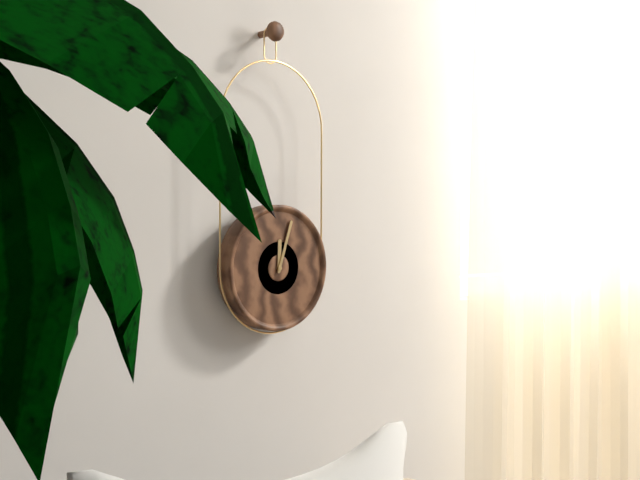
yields h=12 m=3
